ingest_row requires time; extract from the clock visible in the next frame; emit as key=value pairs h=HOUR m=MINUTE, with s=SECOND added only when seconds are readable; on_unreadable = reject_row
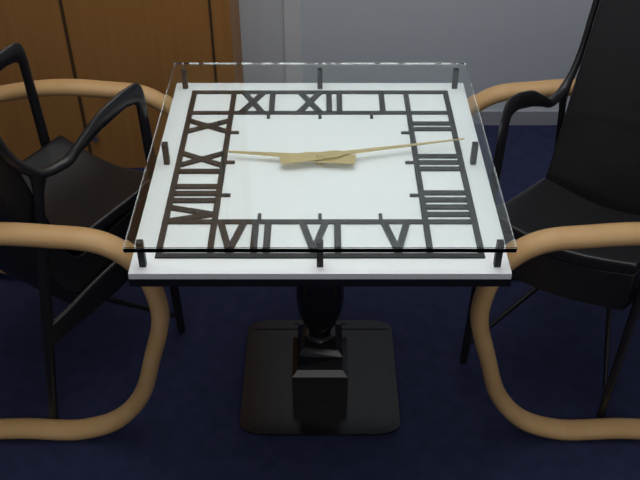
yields h=9 m=13
